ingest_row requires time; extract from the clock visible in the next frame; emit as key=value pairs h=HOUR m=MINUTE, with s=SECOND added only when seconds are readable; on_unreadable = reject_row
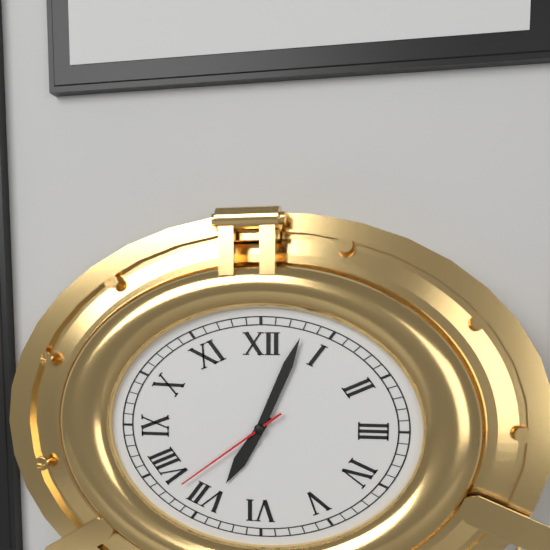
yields h=7 m=4 s=39
